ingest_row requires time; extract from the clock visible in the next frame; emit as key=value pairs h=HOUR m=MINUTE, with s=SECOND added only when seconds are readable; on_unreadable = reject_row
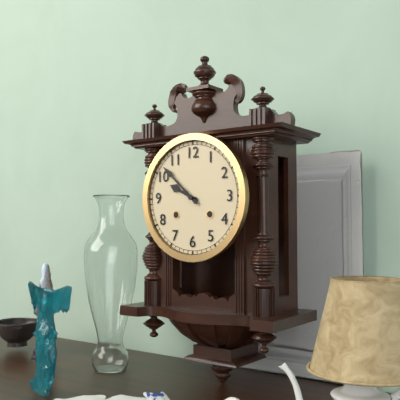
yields h=9 m=52
